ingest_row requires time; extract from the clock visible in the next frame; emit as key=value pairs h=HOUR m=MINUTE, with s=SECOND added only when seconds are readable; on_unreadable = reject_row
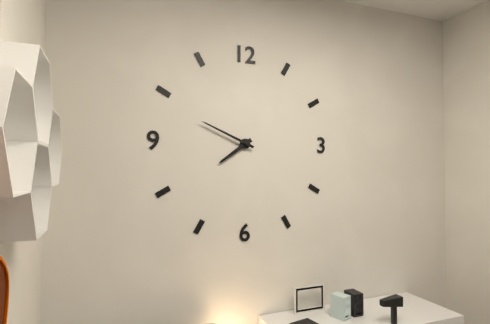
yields h=7 m=49
